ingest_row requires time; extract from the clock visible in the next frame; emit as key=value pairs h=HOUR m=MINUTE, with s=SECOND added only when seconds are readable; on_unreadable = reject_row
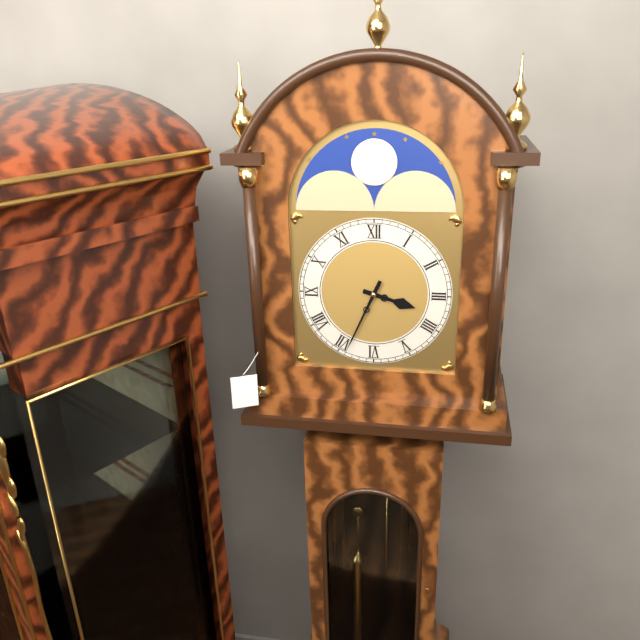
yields h=3 m=34
